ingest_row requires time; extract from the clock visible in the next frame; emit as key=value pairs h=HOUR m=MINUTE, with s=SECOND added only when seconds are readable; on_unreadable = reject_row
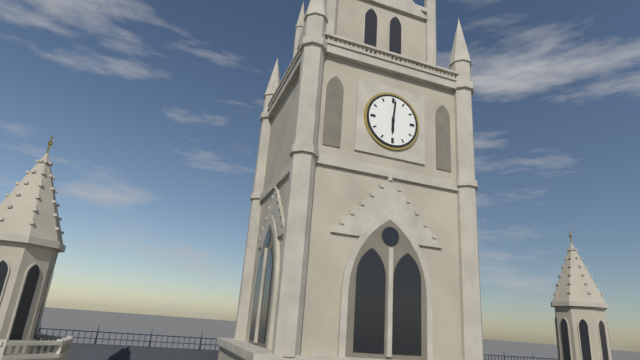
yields h=6 m=1
